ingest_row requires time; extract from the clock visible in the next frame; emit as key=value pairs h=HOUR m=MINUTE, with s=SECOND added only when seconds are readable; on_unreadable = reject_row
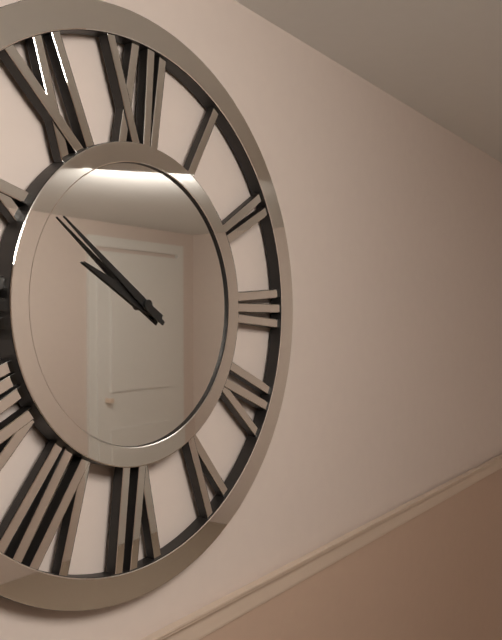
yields h=9 m=51
